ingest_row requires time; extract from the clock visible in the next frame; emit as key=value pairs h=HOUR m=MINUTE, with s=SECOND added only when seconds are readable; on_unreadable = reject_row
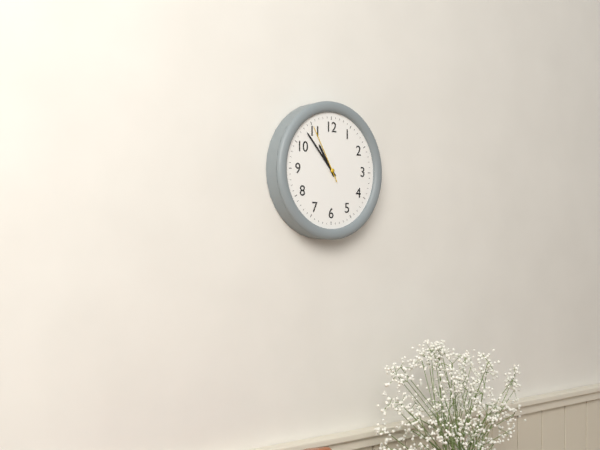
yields h=10 m=53 s=55
